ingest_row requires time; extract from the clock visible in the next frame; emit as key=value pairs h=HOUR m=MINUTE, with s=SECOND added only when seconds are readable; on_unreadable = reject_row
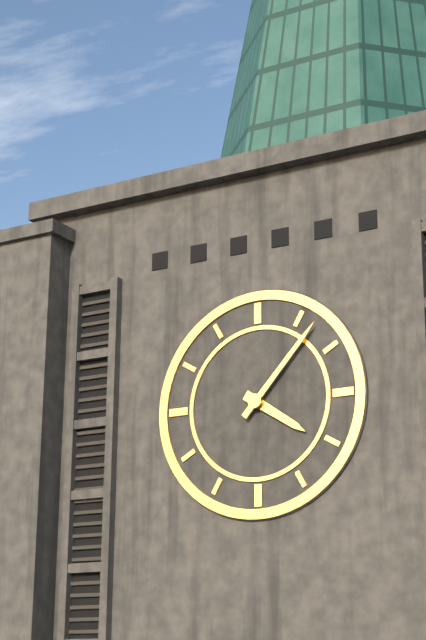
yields h=4 m=7
